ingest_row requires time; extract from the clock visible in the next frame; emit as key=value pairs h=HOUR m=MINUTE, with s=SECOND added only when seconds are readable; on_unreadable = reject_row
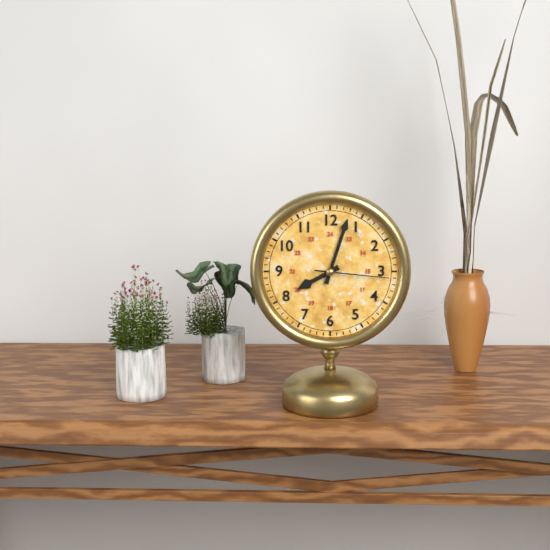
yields h=8 m=3 s=16
